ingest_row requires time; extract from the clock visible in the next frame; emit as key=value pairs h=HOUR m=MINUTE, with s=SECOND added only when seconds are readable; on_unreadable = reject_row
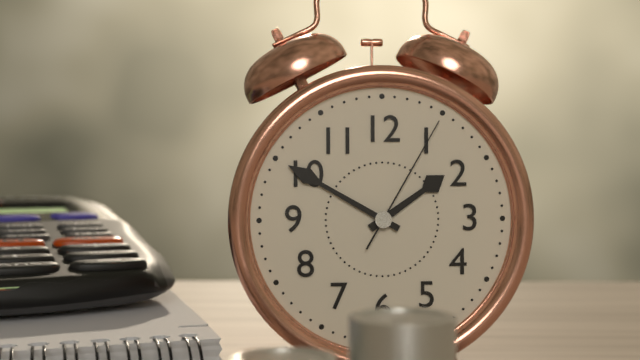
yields h=1 m=50 s=5
